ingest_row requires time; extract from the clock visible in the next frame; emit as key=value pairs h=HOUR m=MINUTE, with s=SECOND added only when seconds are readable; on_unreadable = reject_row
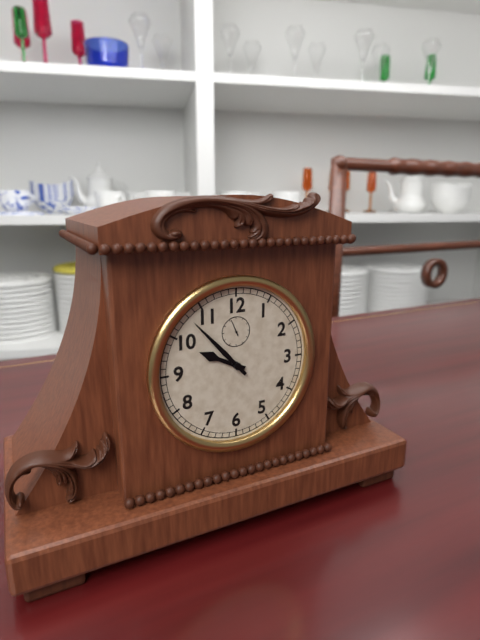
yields h=9 m=53
